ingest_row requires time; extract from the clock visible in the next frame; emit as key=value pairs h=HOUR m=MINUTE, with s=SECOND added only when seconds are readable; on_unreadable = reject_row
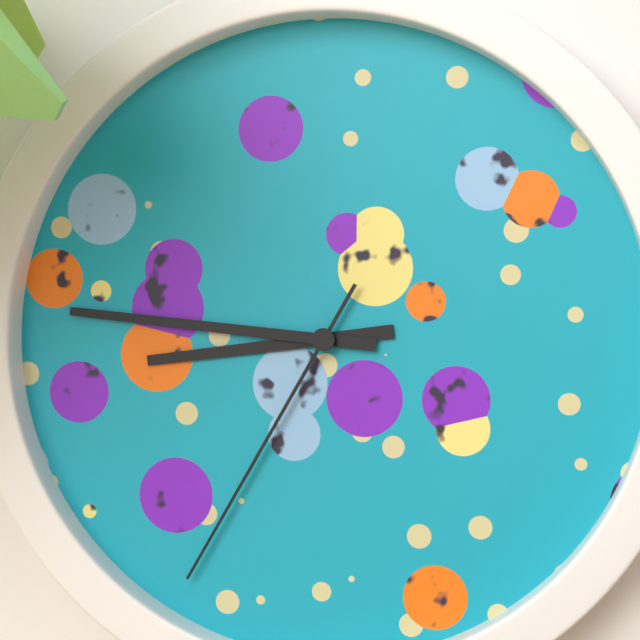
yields h=8 m=46 s=35
